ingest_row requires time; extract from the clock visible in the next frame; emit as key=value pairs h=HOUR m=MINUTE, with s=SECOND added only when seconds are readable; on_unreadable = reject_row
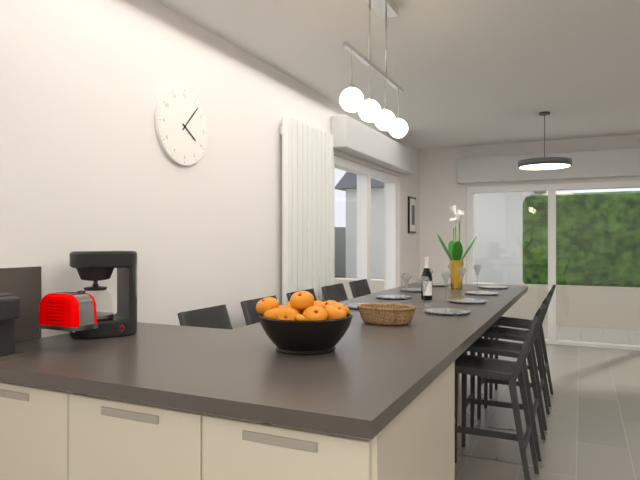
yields h=4 m=7
